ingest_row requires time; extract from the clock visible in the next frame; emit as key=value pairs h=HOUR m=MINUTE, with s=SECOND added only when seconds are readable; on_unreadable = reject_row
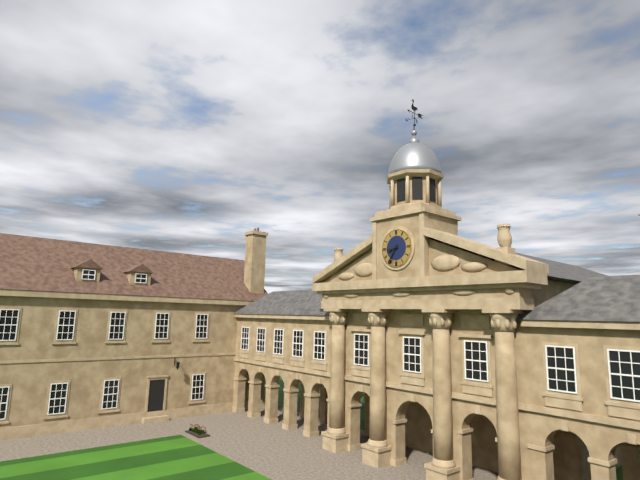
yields h=8 m=35
